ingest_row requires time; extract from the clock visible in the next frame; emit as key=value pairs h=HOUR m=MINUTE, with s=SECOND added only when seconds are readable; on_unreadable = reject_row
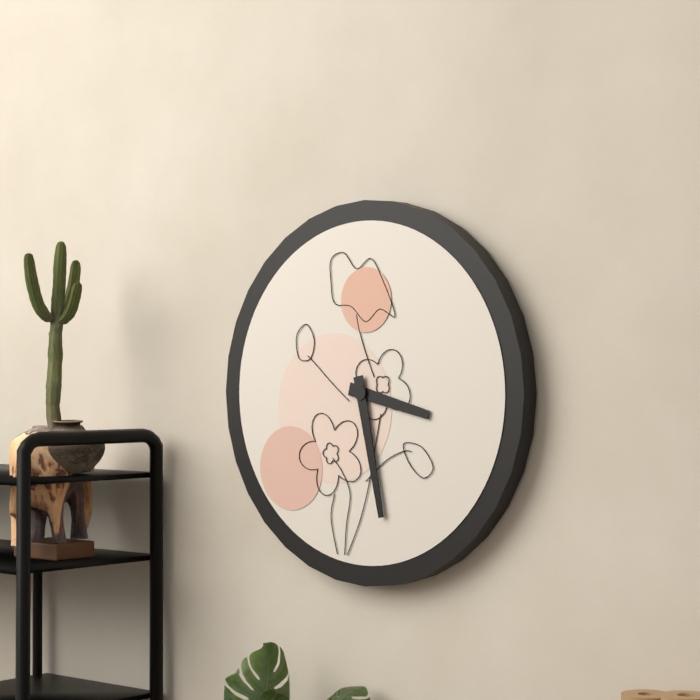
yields h=3 m=28
